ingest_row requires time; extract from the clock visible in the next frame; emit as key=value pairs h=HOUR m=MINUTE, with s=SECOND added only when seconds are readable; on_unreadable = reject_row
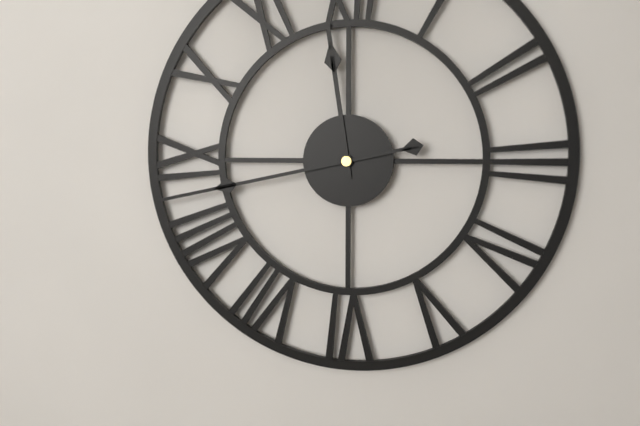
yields h=11 m=43
